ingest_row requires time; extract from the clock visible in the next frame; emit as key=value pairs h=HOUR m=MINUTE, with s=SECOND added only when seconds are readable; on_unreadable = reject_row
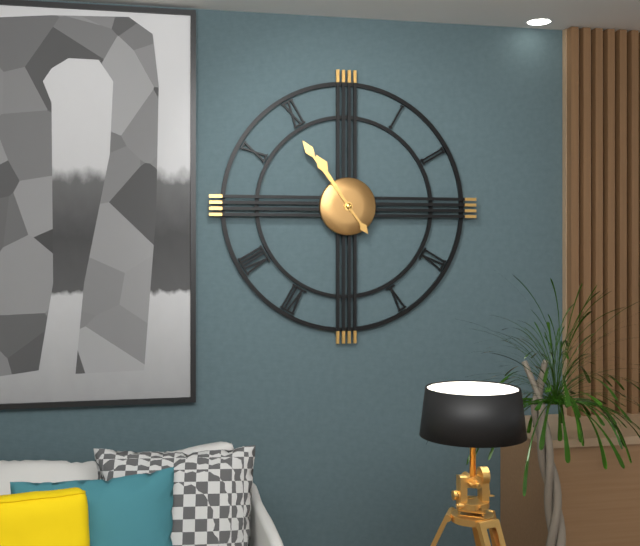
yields h=10 m=54
